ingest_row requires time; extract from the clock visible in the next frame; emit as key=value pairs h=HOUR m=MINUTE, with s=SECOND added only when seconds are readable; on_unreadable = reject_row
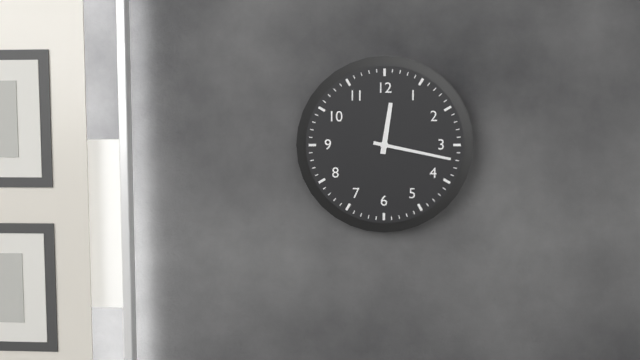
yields h=12 m=17
